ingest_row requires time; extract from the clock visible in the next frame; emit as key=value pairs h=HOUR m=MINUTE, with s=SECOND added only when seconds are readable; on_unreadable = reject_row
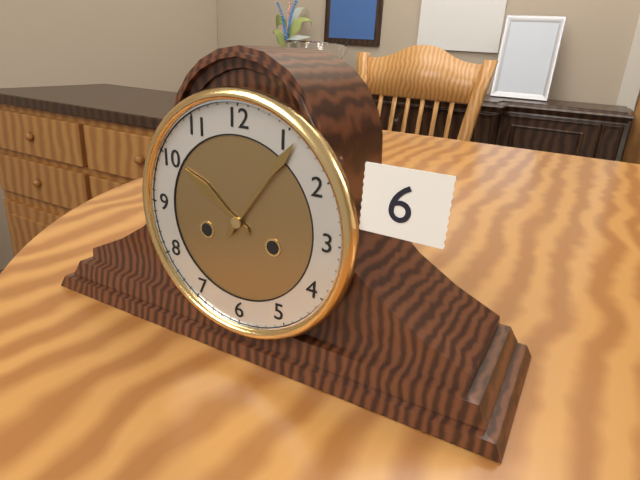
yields h=10 m=6
